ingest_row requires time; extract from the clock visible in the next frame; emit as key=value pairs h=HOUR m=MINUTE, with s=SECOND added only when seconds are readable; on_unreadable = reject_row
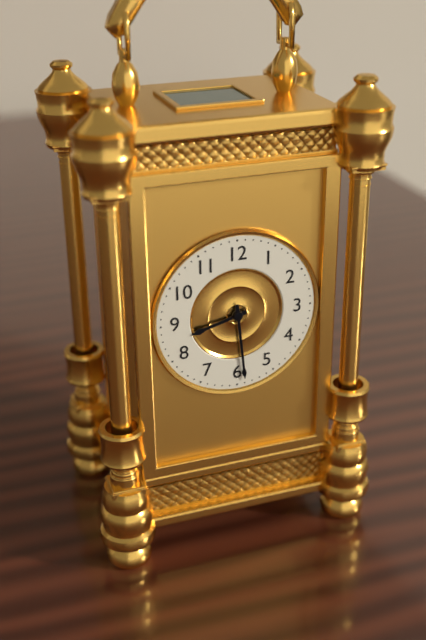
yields h=8 m=29
